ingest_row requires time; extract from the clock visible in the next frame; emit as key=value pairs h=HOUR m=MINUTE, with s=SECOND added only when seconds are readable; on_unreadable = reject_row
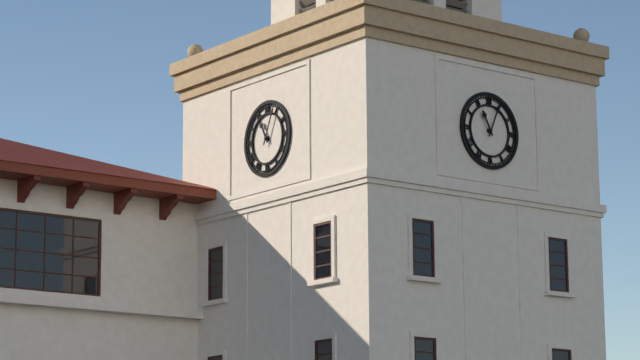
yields h=11 m=4
